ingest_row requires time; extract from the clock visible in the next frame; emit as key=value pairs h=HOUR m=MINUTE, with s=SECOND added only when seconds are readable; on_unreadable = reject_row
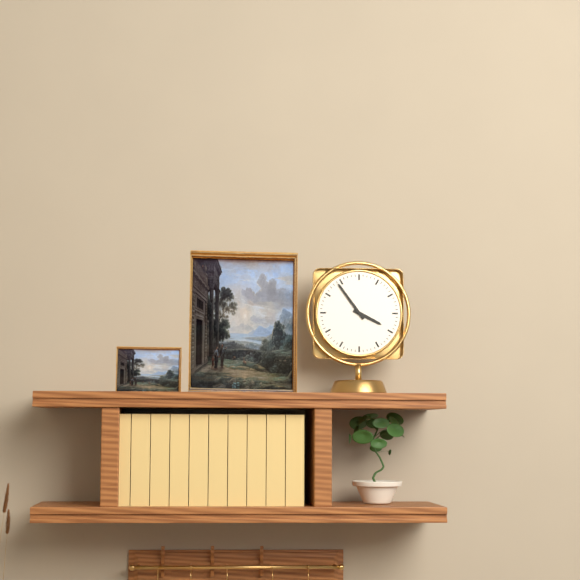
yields h=3 m=54
